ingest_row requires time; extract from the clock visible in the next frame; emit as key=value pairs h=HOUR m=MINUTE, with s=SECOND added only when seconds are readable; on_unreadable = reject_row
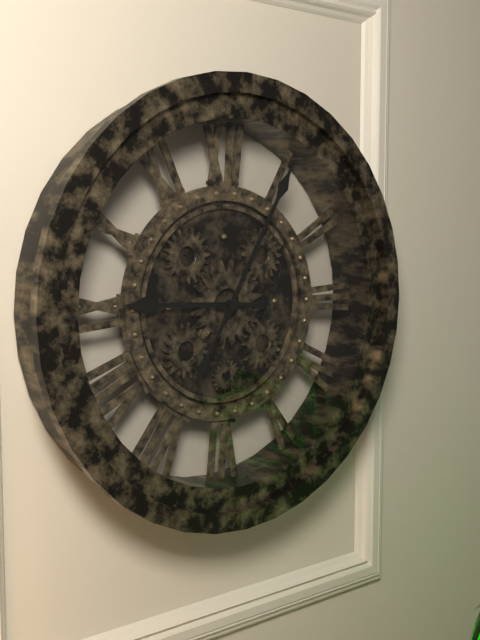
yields h=9 m=5
